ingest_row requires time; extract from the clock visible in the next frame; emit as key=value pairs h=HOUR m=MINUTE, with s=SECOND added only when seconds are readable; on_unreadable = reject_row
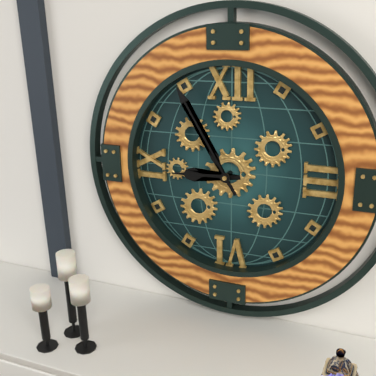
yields h=8 m=55
